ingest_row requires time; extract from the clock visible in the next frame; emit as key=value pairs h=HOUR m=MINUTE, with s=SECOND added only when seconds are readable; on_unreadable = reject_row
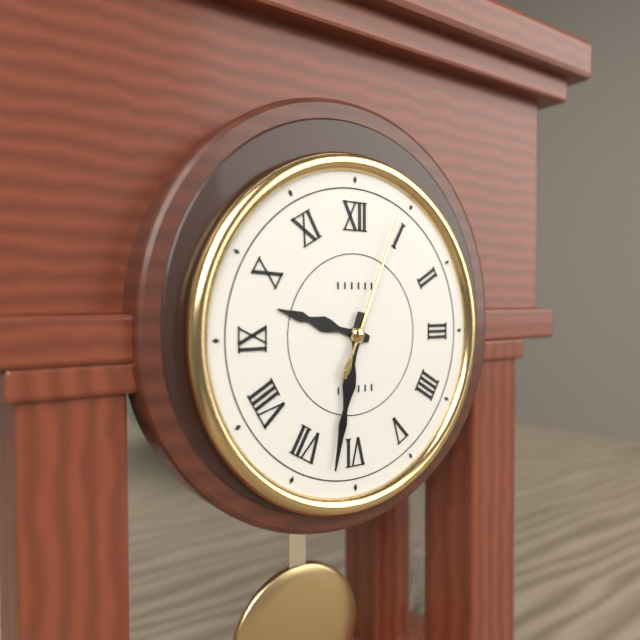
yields h=9 m=32 s=4
